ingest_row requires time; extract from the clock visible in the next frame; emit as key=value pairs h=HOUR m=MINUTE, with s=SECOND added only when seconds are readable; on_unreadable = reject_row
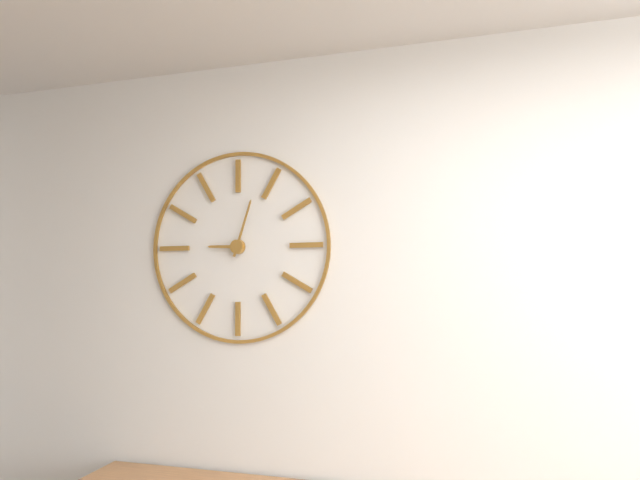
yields h=9 m=3
